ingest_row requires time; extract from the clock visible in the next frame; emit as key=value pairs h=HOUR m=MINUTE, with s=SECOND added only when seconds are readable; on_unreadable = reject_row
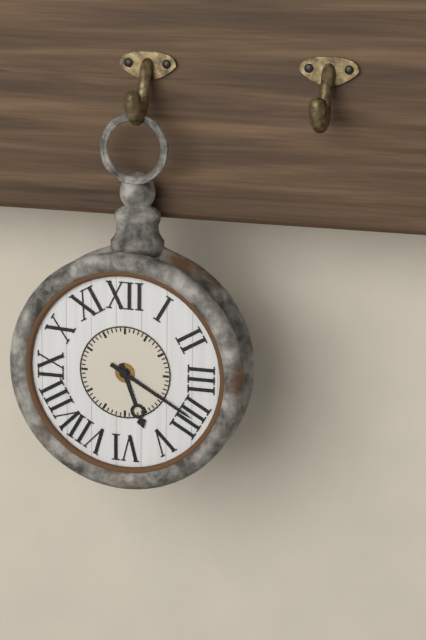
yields h=5 m=20
